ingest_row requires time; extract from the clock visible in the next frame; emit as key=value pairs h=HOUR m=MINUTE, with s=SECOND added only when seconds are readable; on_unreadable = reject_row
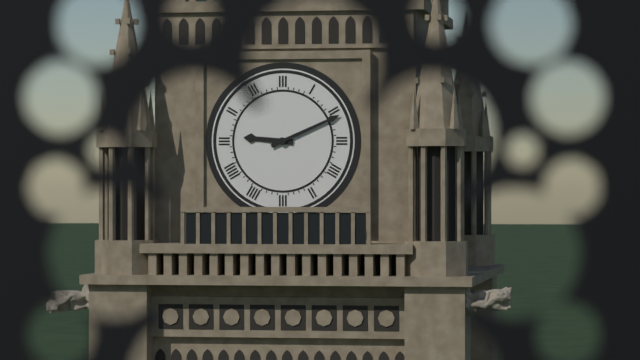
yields h=9 m=11
